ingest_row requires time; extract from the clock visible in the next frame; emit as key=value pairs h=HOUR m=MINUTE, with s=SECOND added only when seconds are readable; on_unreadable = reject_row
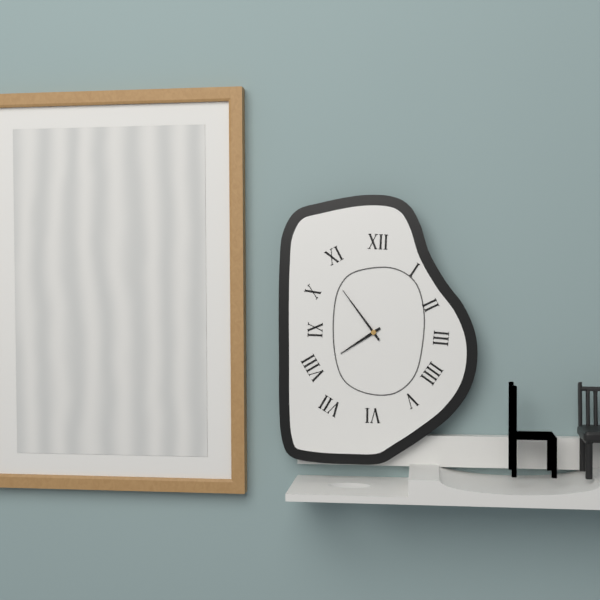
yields h=7 m=54
